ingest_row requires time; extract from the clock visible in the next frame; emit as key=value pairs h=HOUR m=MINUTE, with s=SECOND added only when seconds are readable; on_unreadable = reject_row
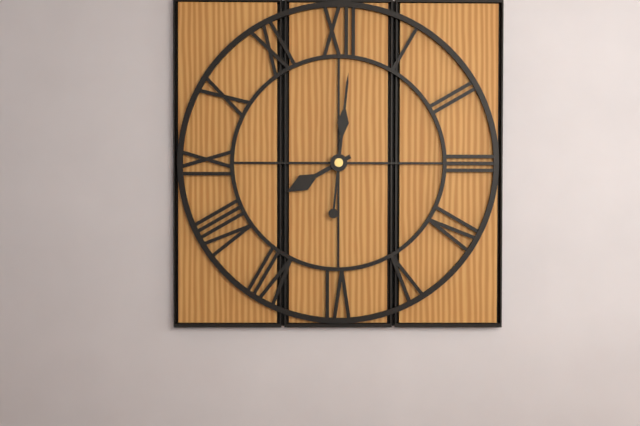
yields h=8 m=1
